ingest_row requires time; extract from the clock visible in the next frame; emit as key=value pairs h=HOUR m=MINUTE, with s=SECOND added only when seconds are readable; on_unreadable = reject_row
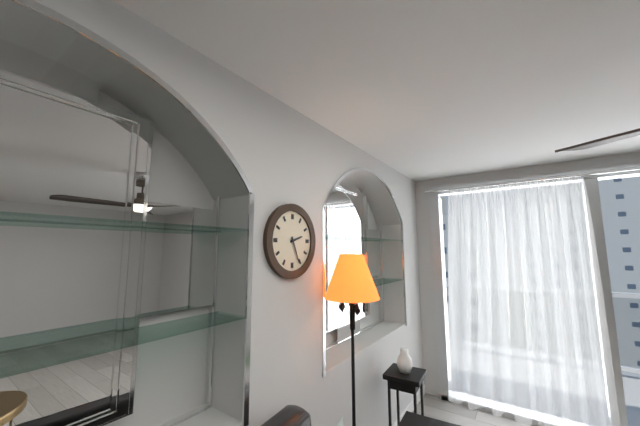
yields h=2 m=26
